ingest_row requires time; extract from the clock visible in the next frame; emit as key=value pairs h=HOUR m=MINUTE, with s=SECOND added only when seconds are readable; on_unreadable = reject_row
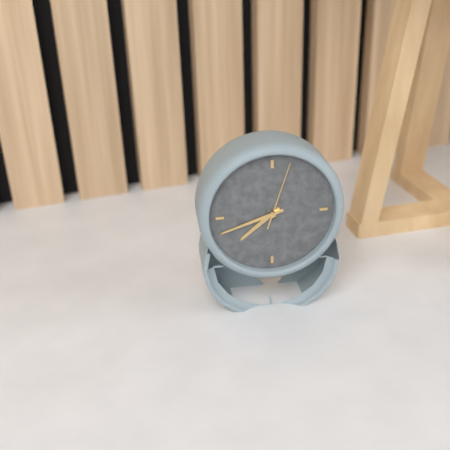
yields h=7 m=42 s=3
